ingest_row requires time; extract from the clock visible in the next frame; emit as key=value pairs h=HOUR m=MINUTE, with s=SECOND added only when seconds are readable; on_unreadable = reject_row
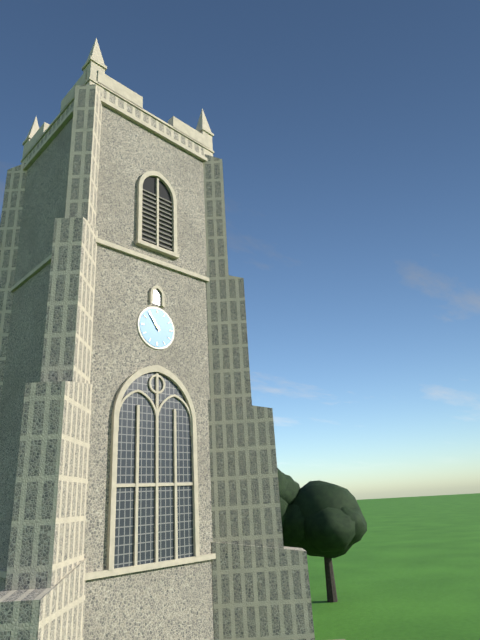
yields h=10 m=54
